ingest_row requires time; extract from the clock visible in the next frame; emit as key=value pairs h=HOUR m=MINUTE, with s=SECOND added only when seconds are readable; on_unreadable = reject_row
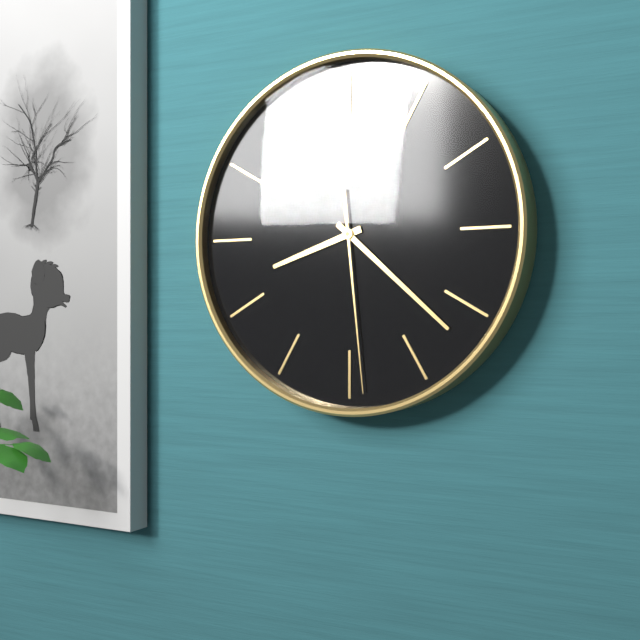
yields h=8 m=22 s=29
